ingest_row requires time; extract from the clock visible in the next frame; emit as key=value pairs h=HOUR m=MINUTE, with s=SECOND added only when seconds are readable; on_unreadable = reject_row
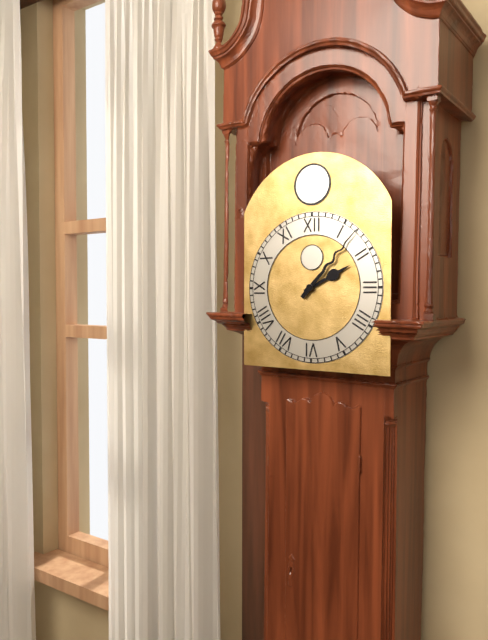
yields h=2 m=7
